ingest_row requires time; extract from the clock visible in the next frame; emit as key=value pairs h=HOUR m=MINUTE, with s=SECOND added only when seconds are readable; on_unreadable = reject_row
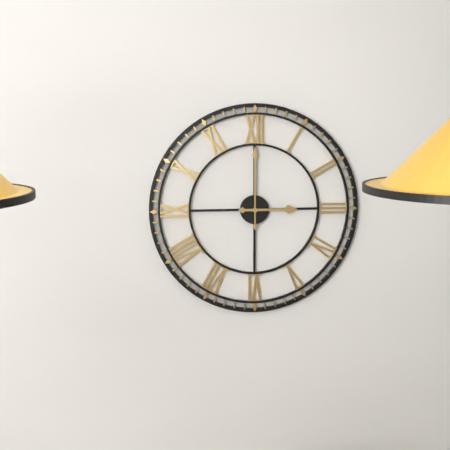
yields h=3 m=0
